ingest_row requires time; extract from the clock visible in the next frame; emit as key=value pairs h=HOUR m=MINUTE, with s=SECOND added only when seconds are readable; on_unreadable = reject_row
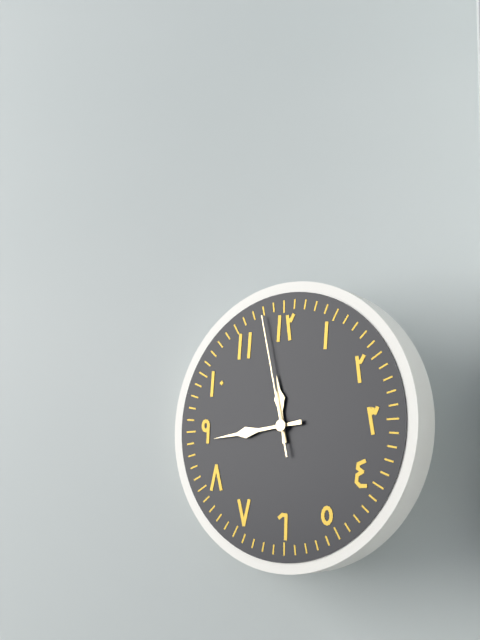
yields h=11 m=44 s=58
